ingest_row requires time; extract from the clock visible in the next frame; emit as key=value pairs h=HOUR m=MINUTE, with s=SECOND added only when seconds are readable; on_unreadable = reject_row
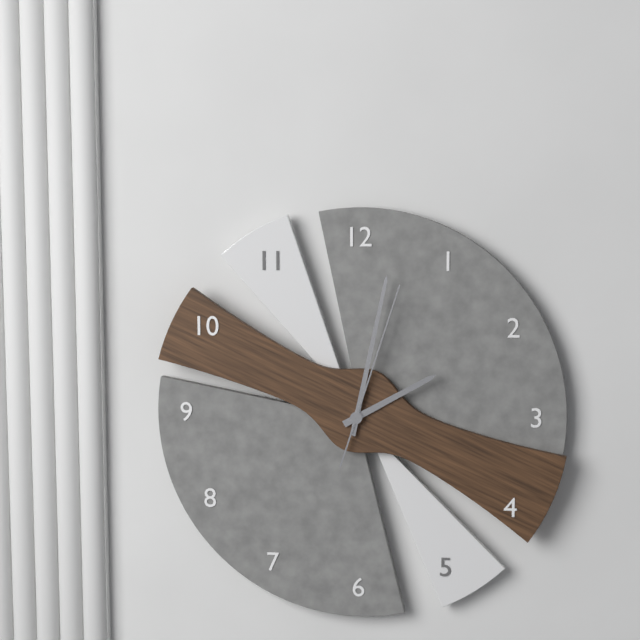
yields h=2 m=2 s=3
